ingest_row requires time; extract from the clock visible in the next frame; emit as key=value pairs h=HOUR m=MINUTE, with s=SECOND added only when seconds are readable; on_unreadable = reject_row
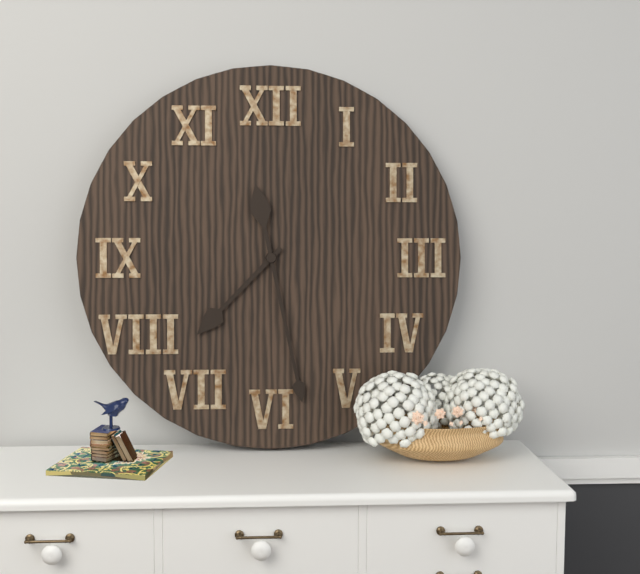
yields h=7 m=28
